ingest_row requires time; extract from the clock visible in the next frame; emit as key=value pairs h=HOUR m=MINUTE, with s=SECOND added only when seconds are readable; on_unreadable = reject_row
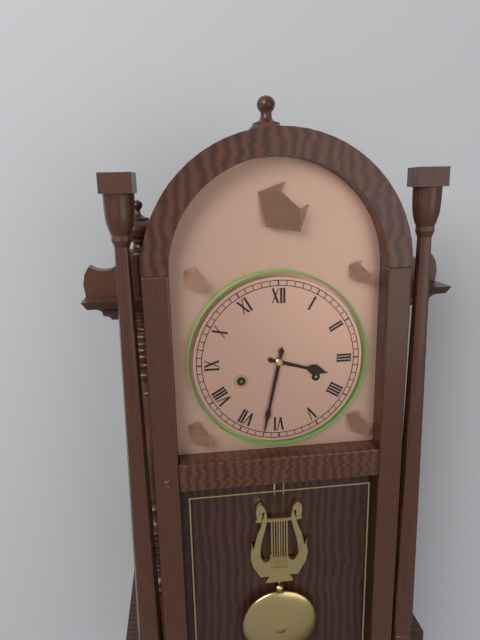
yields h=3 m=32
